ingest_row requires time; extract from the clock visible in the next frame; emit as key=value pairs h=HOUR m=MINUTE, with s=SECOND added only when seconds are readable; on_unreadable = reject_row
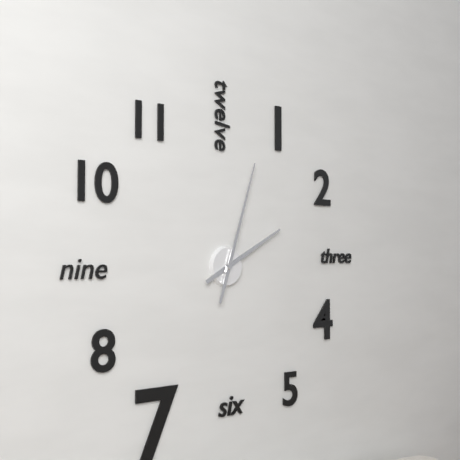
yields h=2 m=3
